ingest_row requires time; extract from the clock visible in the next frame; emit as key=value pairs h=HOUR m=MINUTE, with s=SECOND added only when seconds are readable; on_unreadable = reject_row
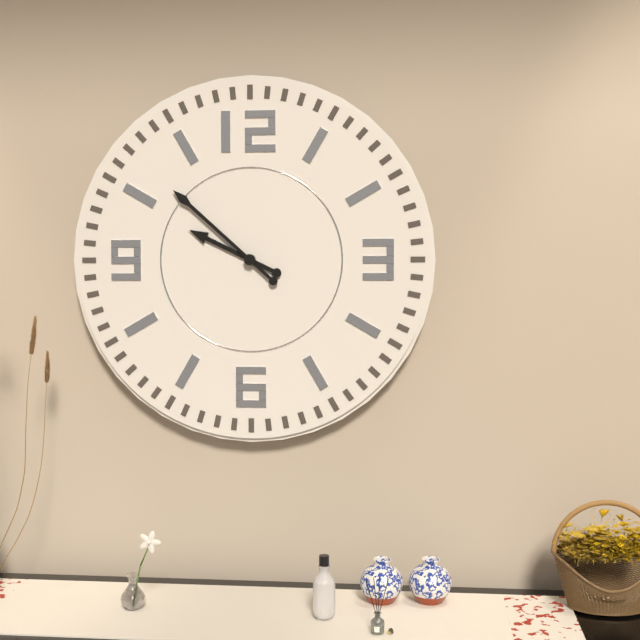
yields h=9 m=52
